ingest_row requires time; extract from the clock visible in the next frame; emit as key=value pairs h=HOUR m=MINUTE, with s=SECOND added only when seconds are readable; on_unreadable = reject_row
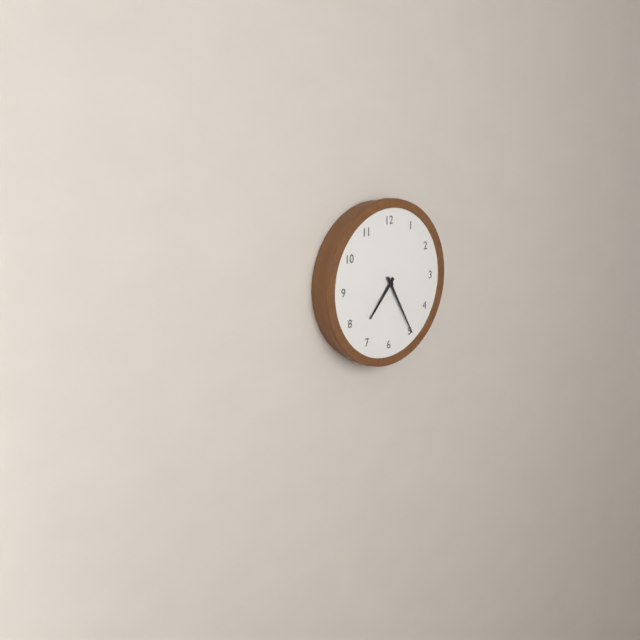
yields h=7 m=25
